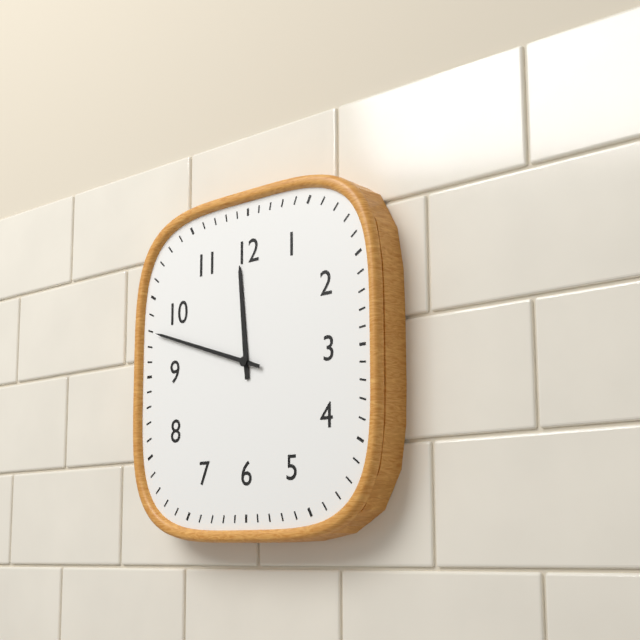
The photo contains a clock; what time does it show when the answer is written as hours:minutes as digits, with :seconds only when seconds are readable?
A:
11:48
